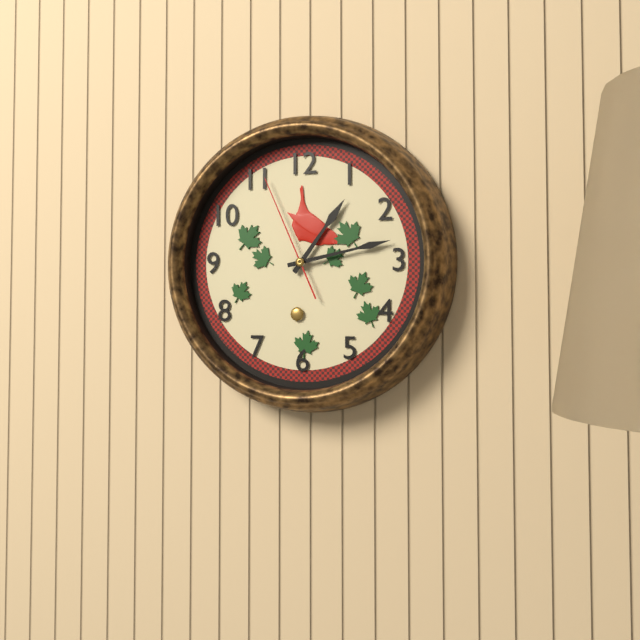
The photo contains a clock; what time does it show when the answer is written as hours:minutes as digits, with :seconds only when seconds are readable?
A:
1:13:56
